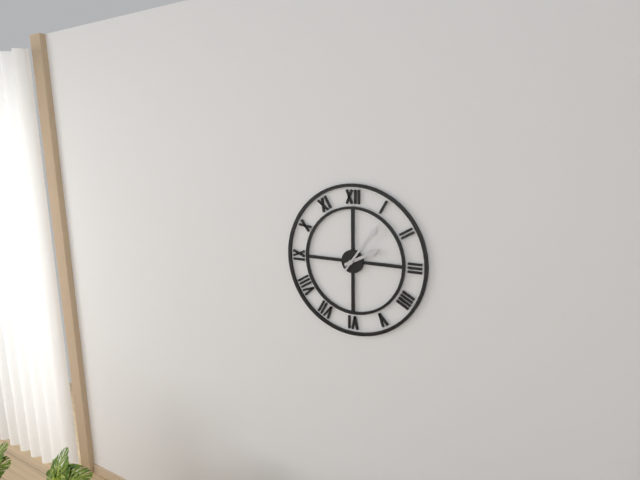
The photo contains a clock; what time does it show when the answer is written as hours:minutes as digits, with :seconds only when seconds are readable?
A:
2:06
